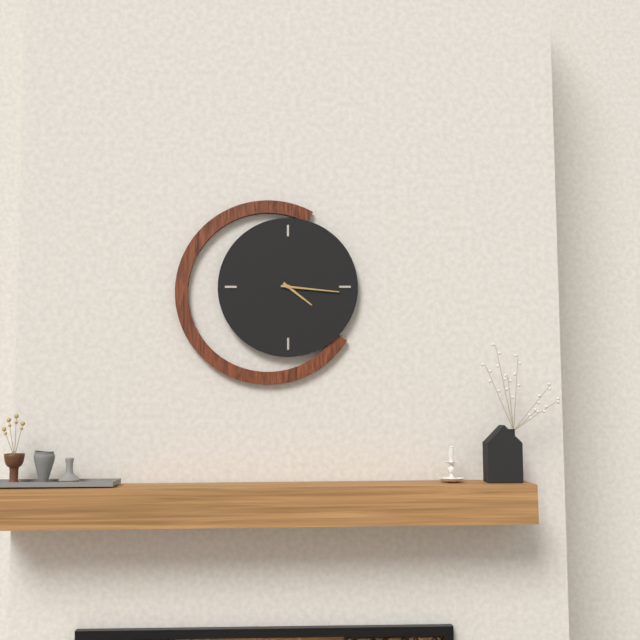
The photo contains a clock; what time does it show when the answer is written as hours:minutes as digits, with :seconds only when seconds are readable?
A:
4:16
